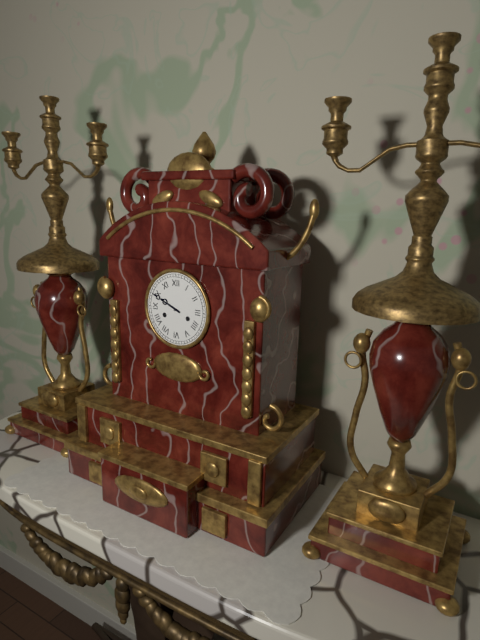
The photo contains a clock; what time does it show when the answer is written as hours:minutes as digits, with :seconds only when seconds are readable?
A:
9:49
